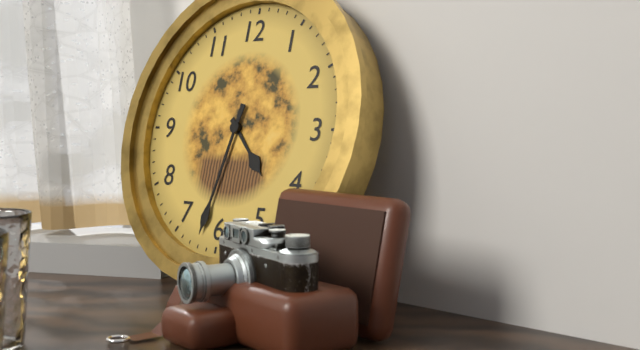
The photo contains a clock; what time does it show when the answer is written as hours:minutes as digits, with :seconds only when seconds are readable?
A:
4:32
